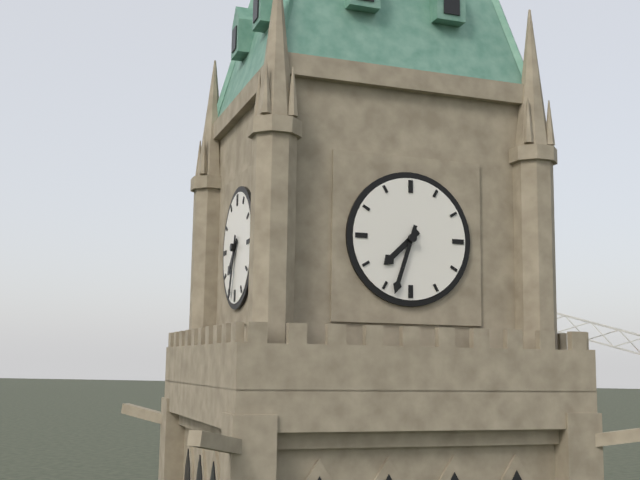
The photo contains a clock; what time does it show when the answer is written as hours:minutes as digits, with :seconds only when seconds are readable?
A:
7:33
